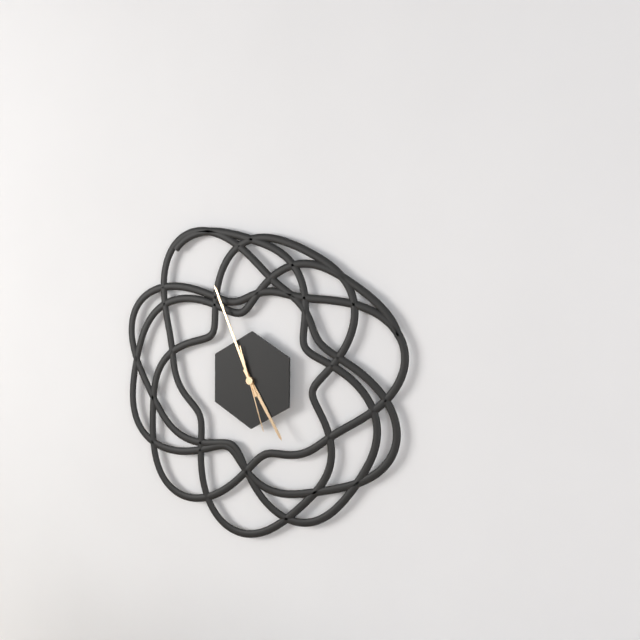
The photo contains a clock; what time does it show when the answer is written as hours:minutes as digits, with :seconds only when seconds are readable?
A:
4:56:27
